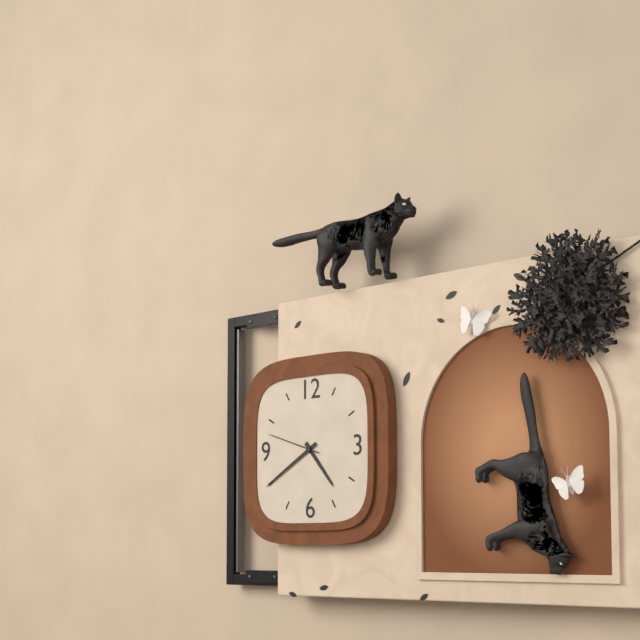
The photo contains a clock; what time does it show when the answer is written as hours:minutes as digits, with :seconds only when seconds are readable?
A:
4:40:48
